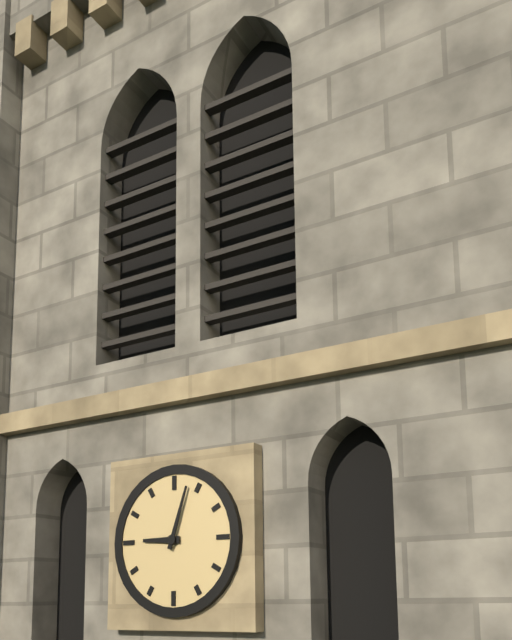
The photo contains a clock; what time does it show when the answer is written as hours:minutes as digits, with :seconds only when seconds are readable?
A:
9:03
